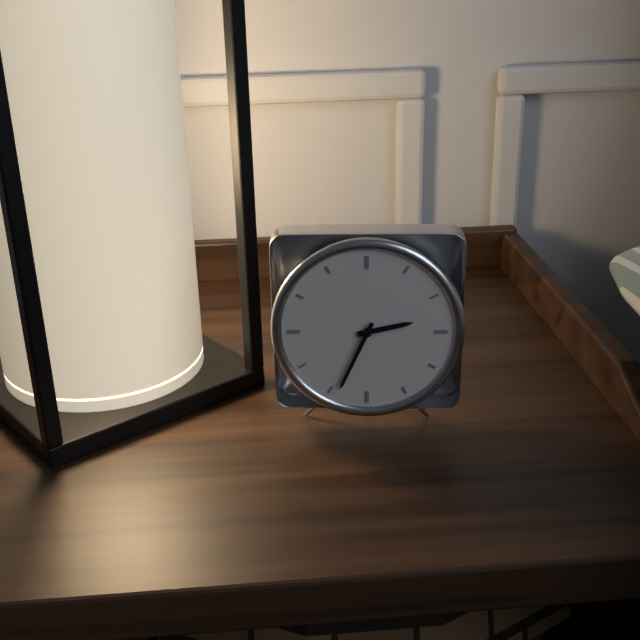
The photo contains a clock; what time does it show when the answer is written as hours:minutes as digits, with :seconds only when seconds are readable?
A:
2:34
